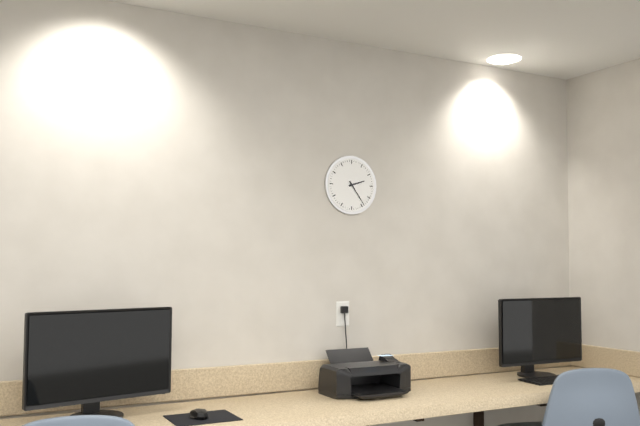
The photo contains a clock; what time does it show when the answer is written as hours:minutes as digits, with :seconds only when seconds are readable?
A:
2:24
